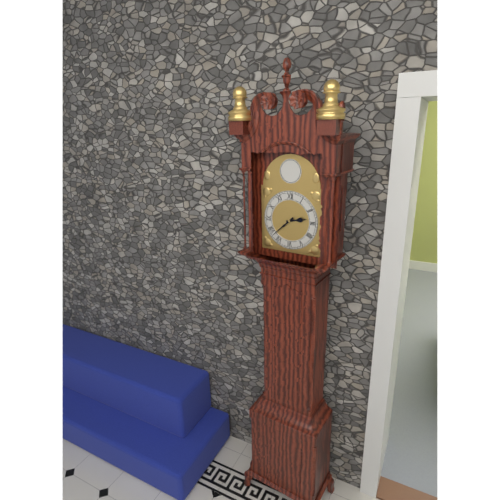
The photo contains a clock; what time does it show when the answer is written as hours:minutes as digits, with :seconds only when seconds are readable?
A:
2:38
